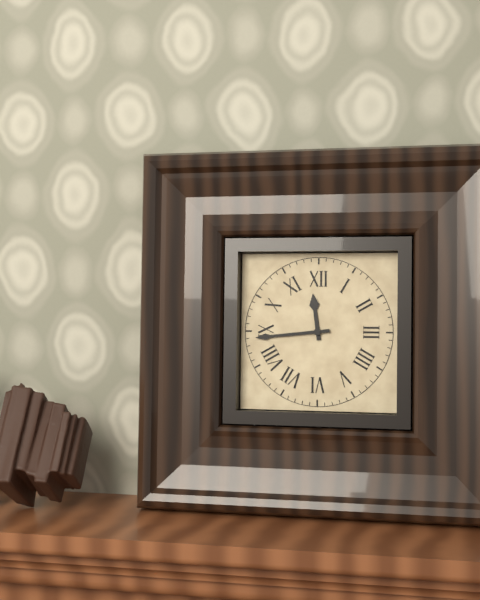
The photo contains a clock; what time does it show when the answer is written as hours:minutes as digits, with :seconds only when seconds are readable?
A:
11:44
